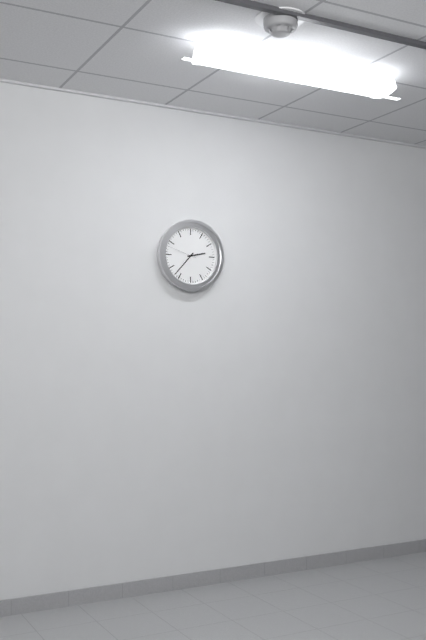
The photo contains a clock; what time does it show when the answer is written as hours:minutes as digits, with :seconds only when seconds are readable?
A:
2:37
